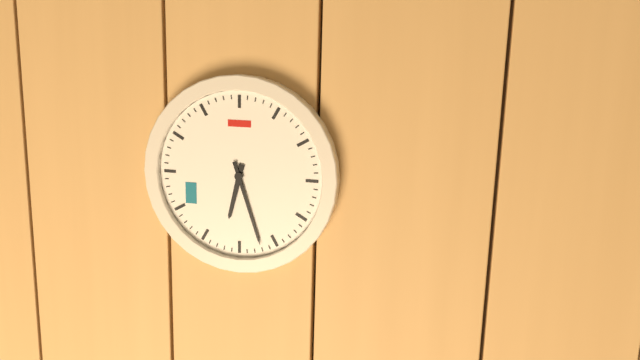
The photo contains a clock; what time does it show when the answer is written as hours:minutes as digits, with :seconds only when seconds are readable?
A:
6:27
